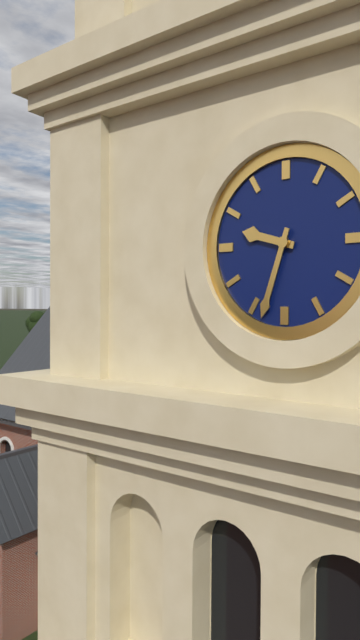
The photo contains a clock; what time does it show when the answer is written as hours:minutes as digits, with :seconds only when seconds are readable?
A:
9:33
